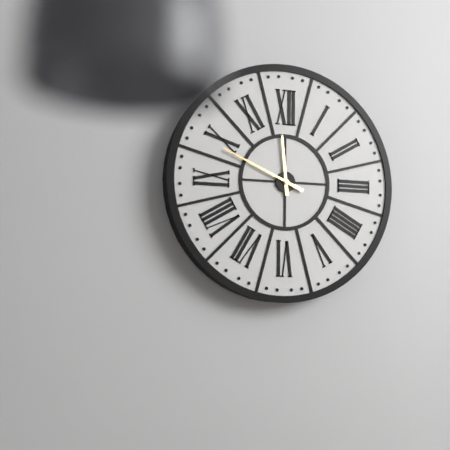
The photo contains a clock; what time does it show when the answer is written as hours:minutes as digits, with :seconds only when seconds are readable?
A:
11:49
